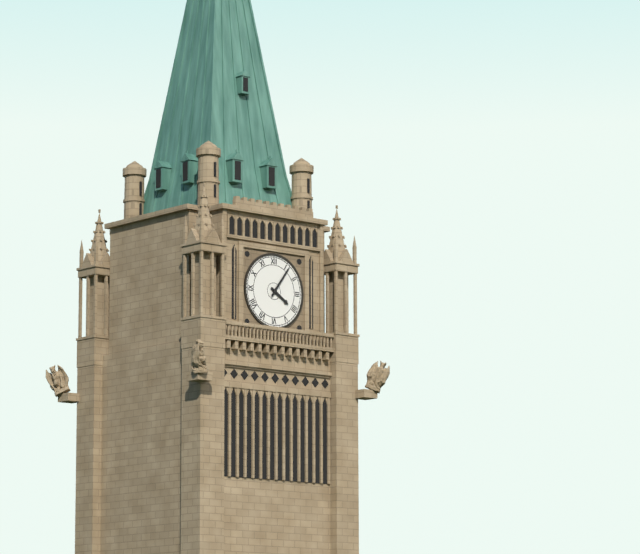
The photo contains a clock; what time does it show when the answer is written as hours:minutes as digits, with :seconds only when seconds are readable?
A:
4:06
